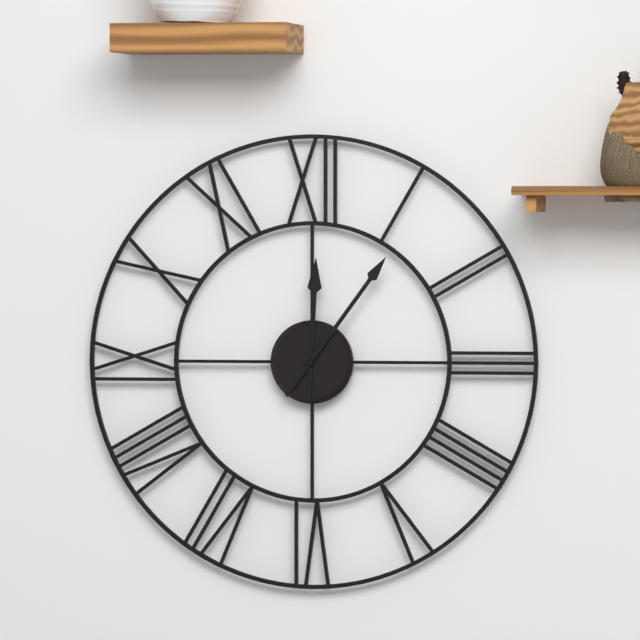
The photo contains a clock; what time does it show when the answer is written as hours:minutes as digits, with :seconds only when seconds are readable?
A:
12:06
